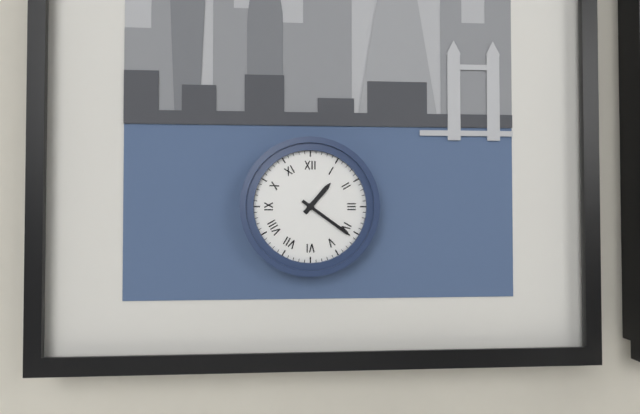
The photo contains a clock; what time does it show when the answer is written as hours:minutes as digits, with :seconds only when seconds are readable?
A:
1:21
